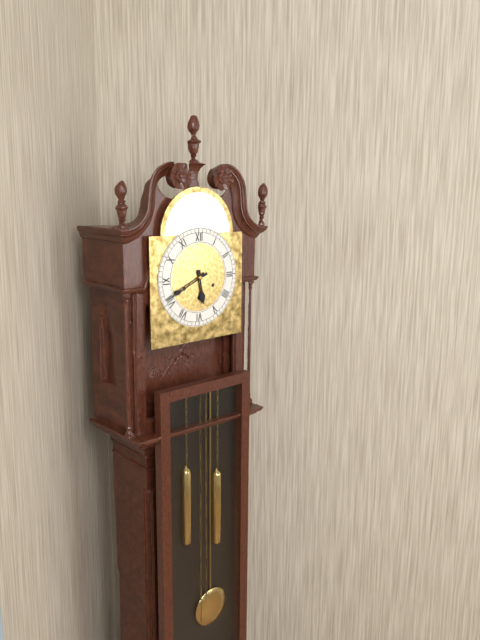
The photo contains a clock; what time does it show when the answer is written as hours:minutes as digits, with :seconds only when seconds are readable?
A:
5:41
